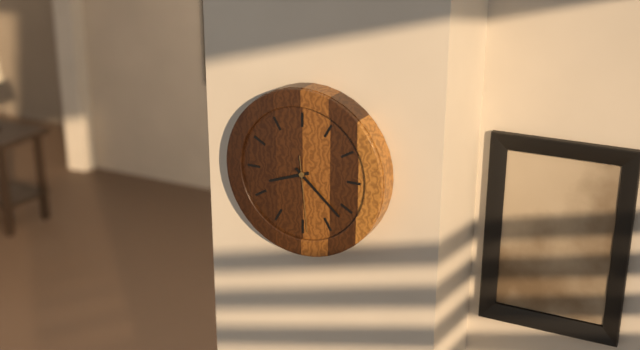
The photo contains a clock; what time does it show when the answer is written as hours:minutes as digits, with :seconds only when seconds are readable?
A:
8:22:29
